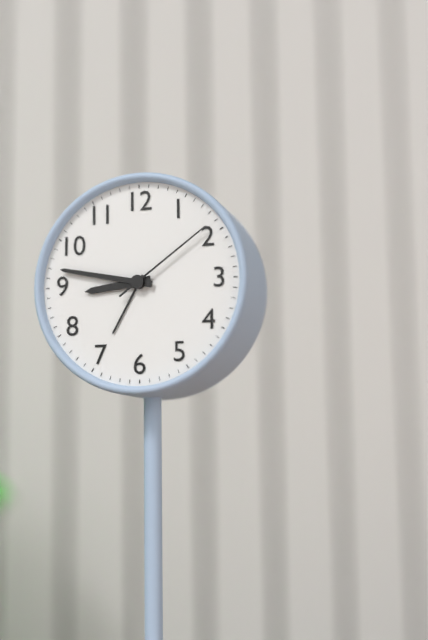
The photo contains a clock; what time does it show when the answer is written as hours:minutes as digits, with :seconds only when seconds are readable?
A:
8:47:09
